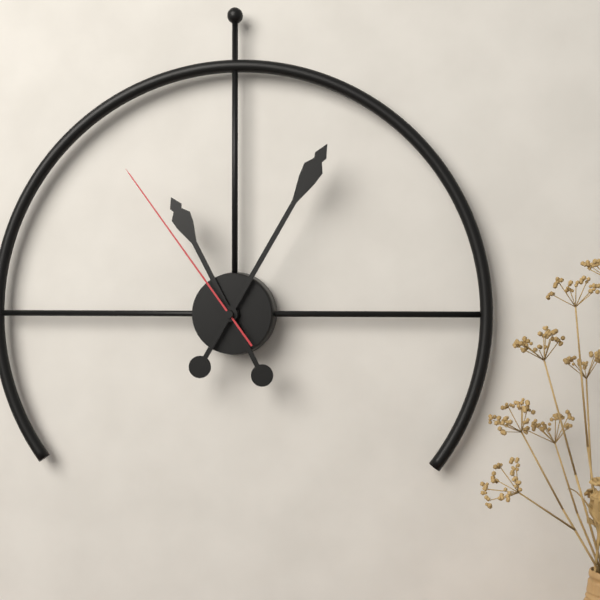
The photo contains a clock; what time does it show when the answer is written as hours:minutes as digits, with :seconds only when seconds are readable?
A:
11:05:54
